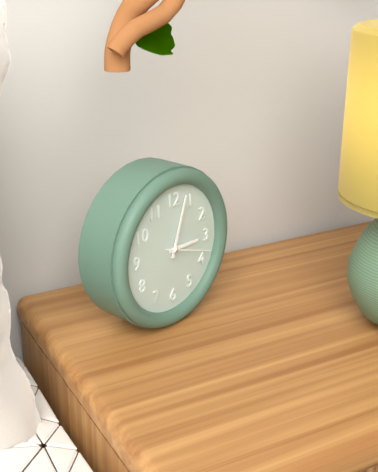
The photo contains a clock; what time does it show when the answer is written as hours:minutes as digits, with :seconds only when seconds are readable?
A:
3:03
